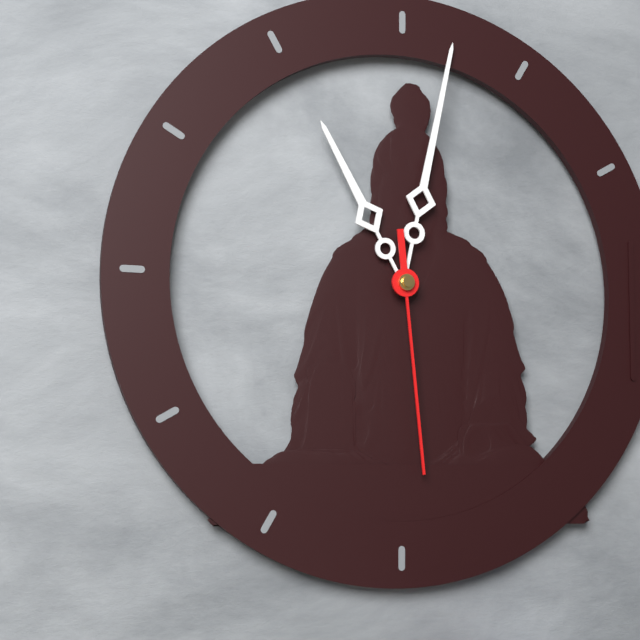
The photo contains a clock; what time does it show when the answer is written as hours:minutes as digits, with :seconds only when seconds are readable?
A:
11:02:29
